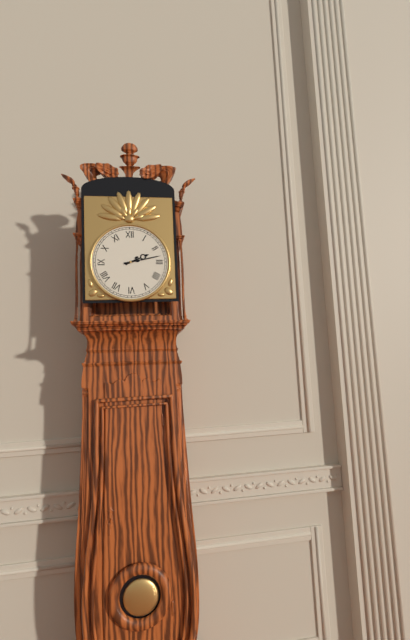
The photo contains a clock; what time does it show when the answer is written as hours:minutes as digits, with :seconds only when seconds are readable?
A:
2:13
